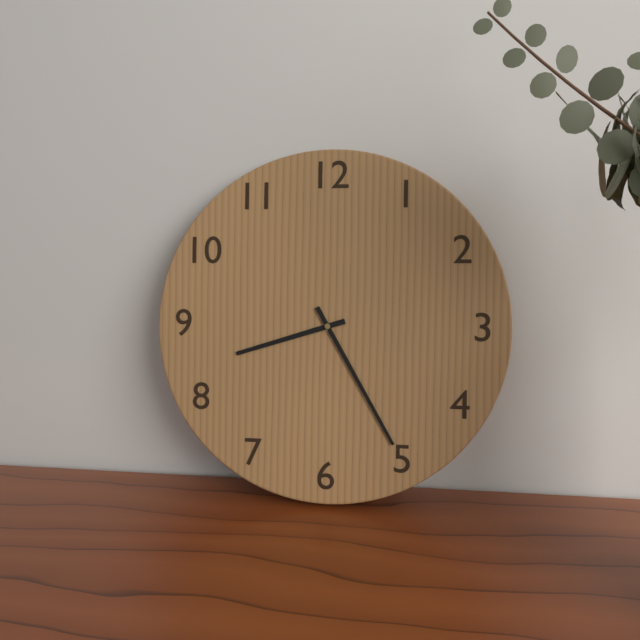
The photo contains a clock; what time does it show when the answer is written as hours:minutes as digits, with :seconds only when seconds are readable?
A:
8:25
